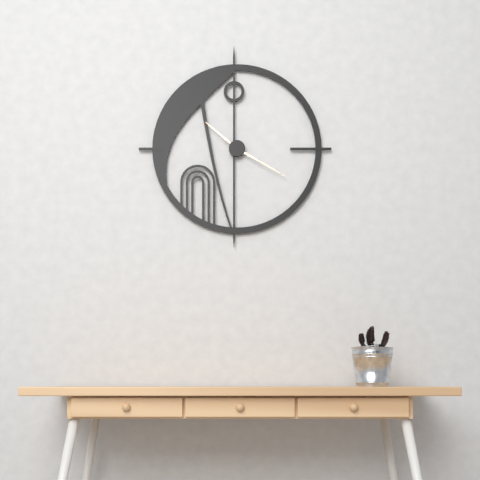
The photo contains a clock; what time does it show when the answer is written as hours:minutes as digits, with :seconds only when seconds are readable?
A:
10:20
